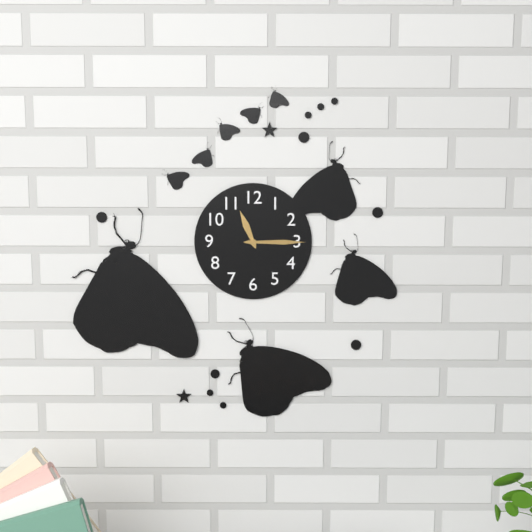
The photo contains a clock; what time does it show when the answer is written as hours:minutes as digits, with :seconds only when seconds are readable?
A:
11:15
